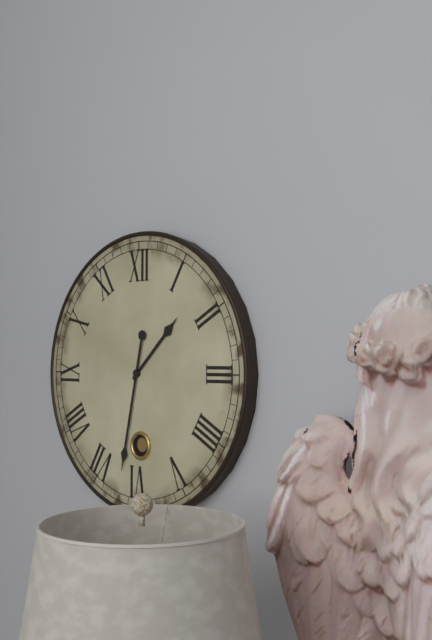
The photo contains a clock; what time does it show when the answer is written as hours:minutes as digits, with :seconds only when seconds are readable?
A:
1:32
